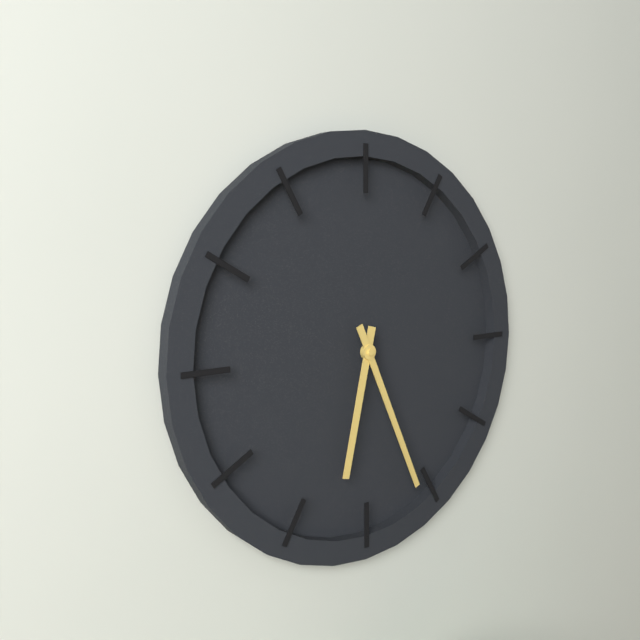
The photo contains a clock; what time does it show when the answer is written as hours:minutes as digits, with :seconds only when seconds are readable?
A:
6:26
